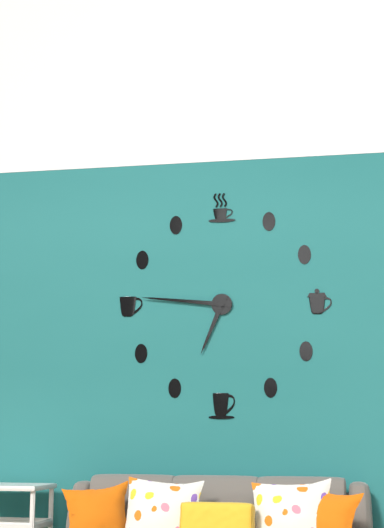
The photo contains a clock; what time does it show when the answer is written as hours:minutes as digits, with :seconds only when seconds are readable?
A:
6:46
